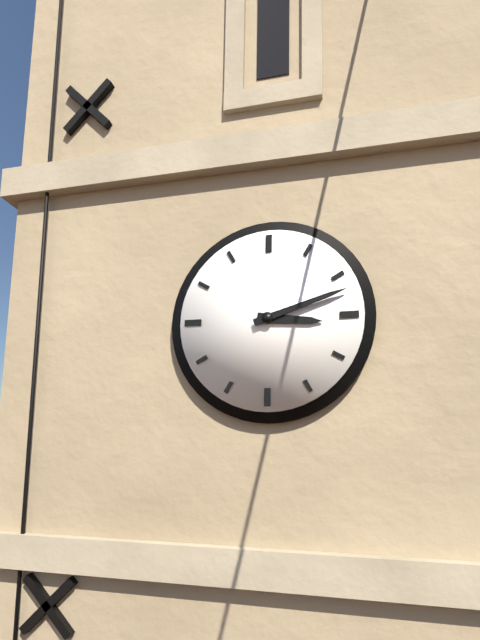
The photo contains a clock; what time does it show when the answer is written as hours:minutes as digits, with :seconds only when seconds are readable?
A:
3:12
